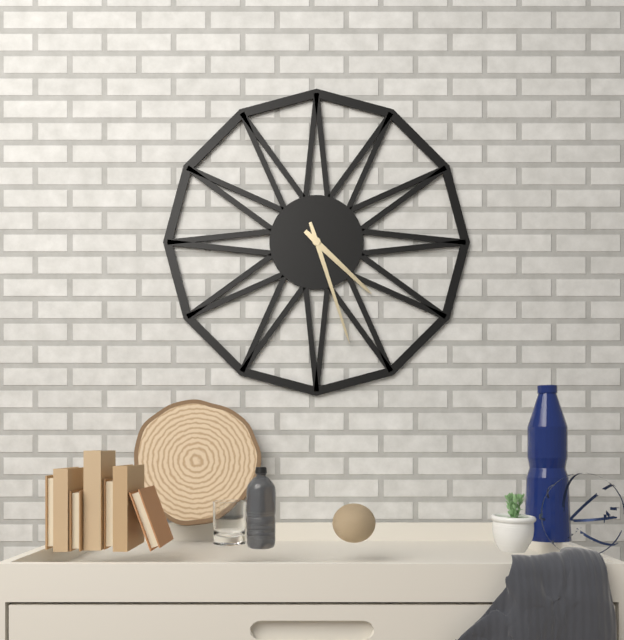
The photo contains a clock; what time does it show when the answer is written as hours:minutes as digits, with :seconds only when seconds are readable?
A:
4:27
